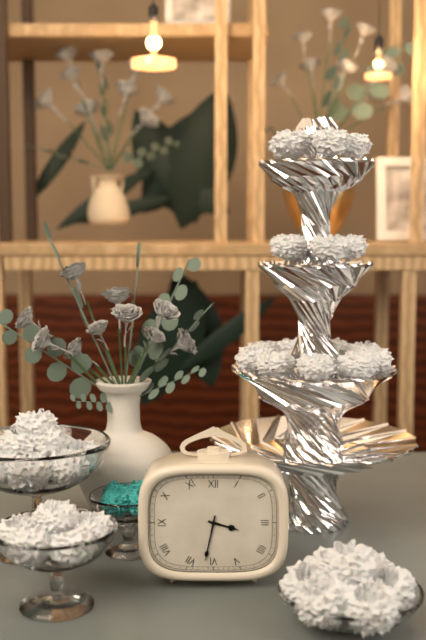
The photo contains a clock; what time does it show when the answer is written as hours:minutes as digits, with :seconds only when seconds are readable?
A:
3:32
